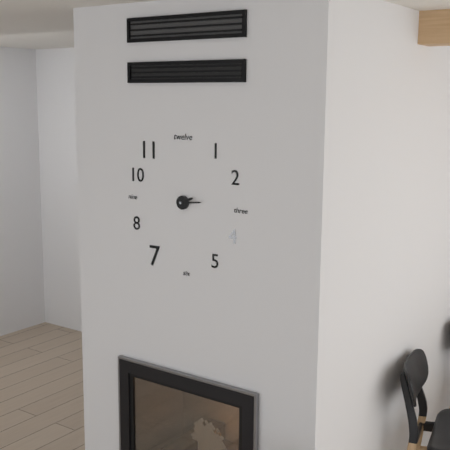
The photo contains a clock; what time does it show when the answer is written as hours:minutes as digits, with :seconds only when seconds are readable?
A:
2:14
